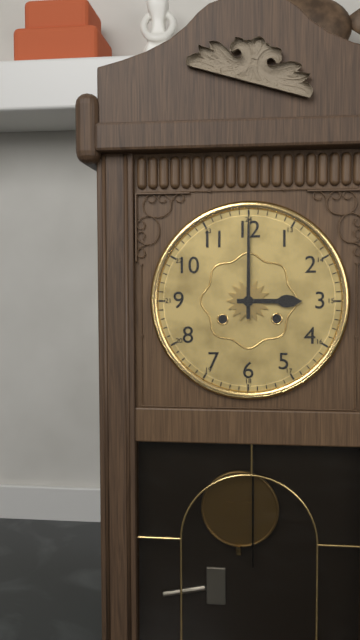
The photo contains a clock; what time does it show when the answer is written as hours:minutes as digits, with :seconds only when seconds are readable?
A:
3:00
